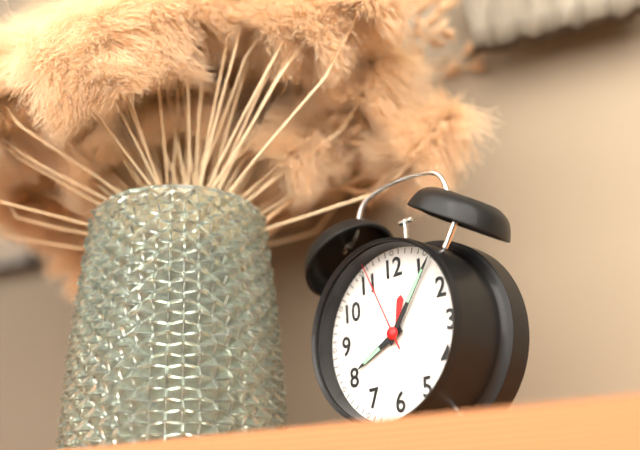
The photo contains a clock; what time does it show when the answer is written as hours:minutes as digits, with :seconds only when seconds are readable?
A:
8:06:56
